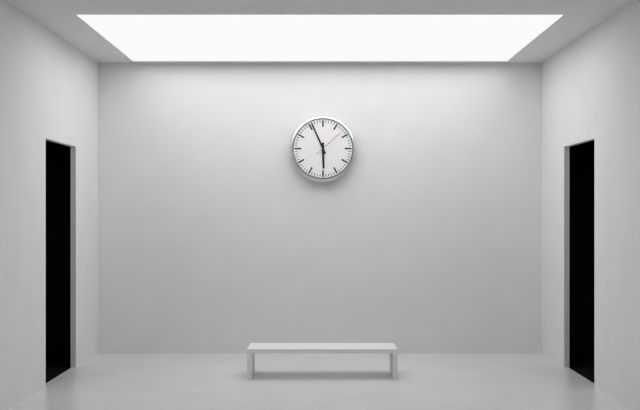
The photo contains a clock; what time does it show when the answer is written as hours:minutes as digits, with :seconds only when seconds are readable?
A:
5:56
